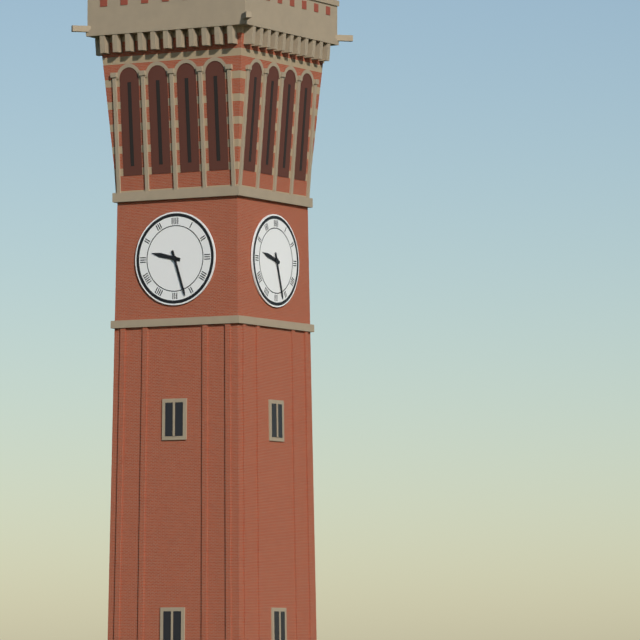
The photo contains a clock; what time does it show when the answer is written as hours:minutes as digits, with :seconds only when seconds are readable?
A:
9:27
